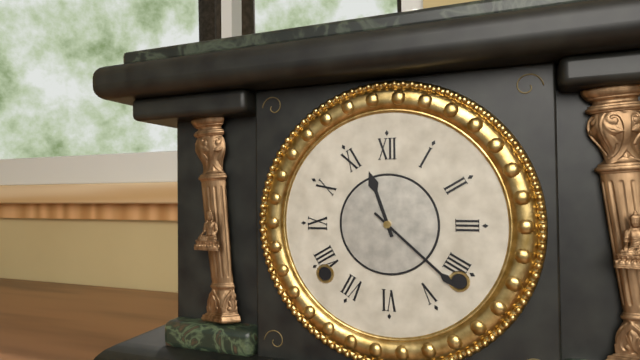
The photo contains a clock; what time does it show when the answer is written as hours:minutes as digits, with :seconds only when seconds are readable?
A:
11:22
